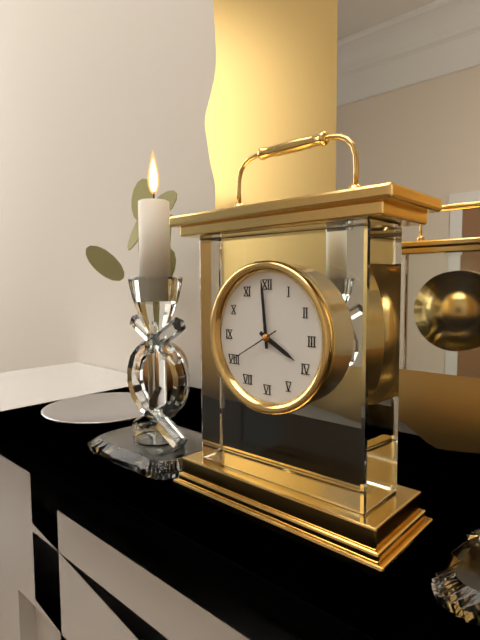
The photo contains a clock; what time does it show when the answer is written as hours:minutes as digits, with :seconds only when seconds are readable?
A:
3:59
